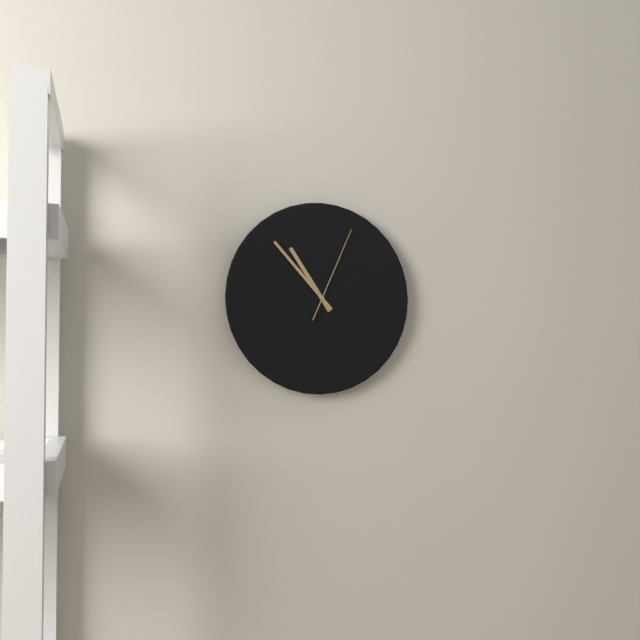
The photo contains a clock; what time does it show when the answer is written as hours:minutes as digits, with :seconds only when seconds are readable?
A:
10:53:04
